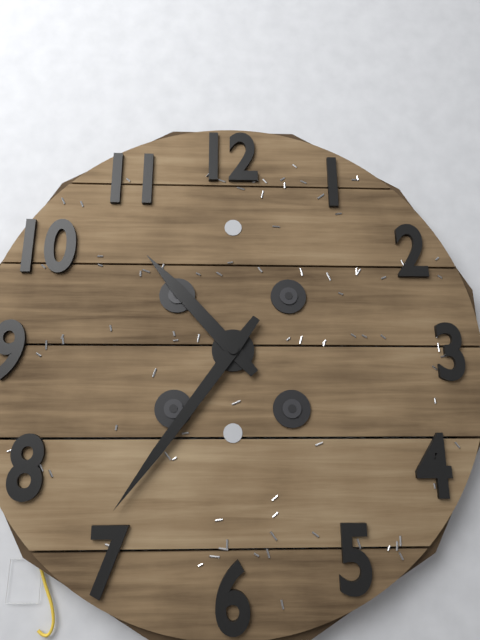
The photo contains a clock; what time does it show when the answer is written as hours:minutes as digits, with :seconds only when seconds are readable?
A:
10:36
